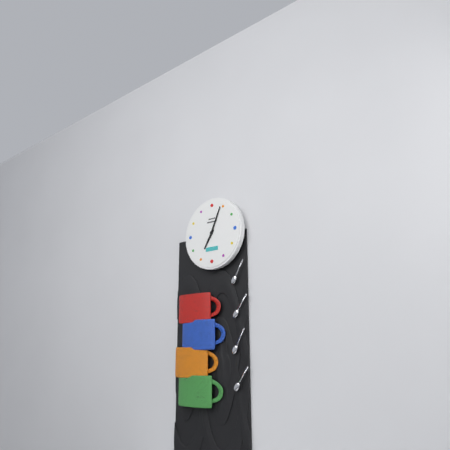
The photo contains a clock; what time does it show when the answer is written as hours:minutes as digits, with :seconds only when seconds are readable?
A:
7:04
